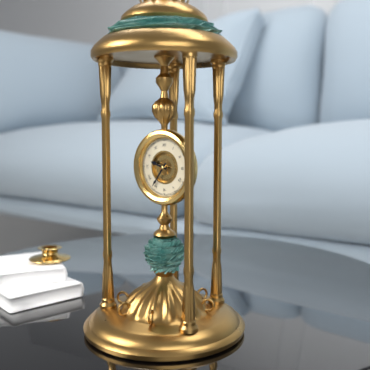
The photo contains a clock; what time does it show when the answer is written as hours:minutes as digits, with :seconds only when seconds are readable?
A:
9:36
